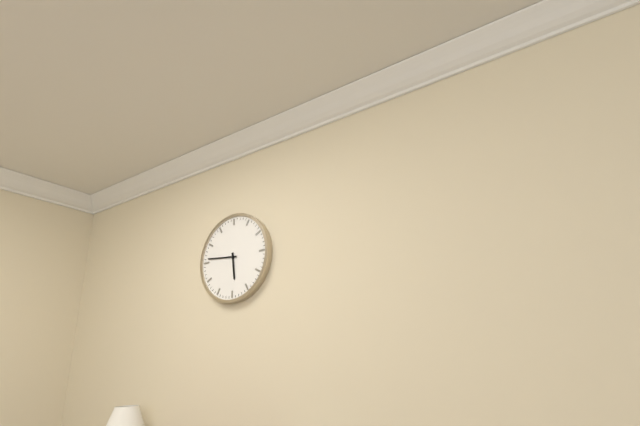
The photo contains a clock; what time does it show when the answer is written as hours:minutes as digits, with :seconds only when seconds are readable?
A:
5:46
